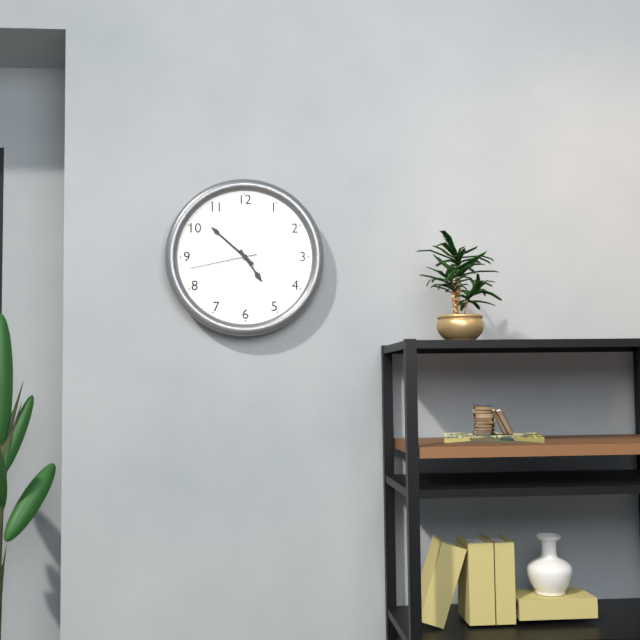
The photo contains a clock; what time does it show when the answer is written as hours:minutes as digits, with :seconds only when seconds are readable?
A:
4:52:43
